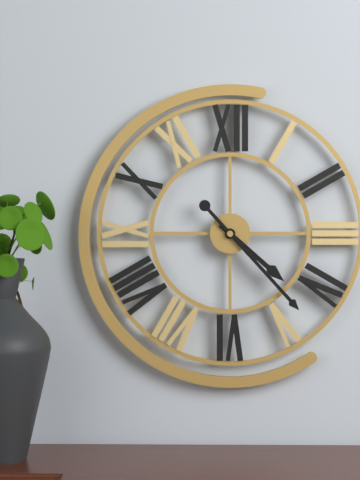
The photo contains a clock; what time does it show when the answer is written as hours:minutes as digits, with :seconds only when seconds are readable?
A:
4:23
